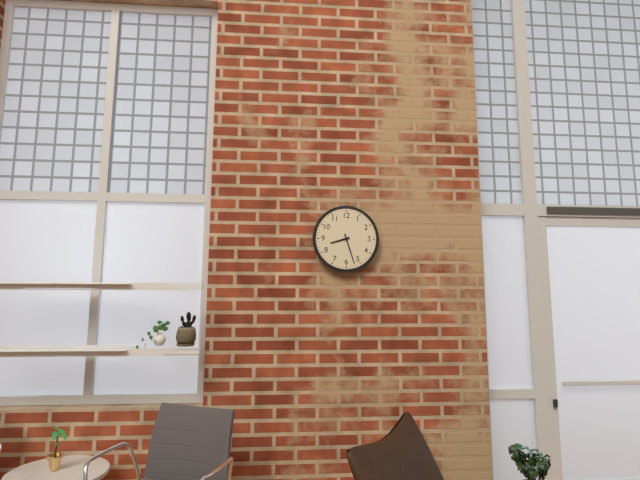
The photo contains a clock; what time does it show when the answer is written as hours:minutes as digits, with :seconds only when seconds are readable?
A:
8:27
